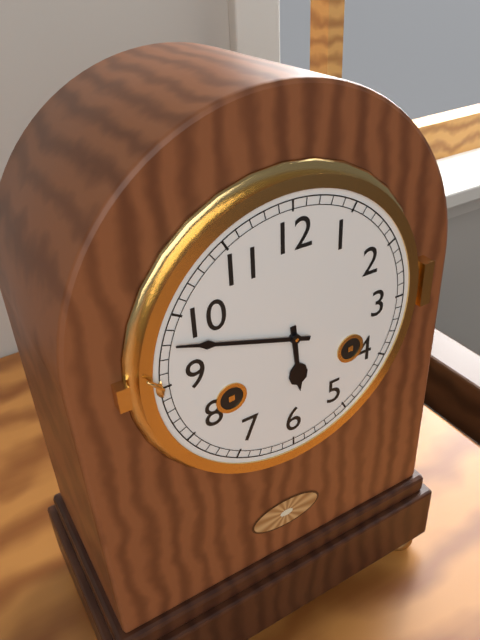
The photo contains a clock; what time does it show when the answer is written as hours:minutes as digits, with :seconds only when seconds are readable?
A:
5:48
